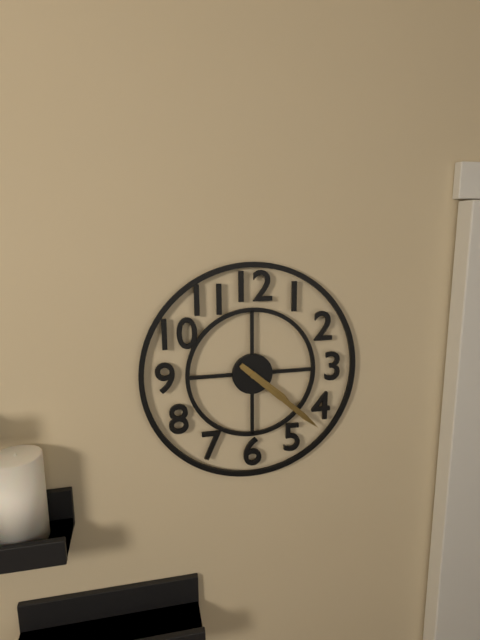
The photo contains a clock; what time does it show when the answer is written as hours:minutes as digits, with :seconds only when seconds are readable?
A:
4:22
